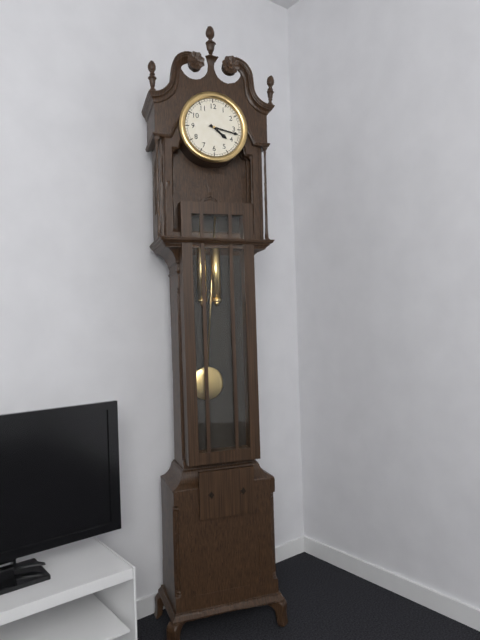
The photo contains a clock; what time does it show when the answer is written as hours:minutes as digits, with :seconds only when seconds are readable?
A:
4:17
